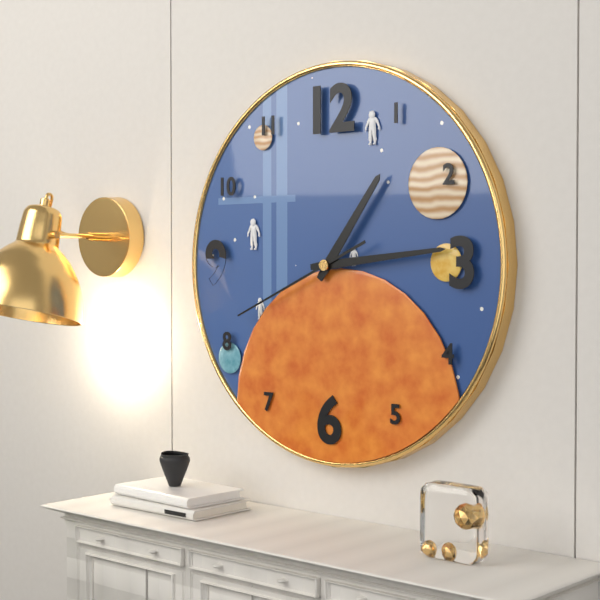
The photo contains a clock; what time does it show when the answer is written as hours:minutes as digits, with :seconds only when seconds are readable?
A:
1:14:41
